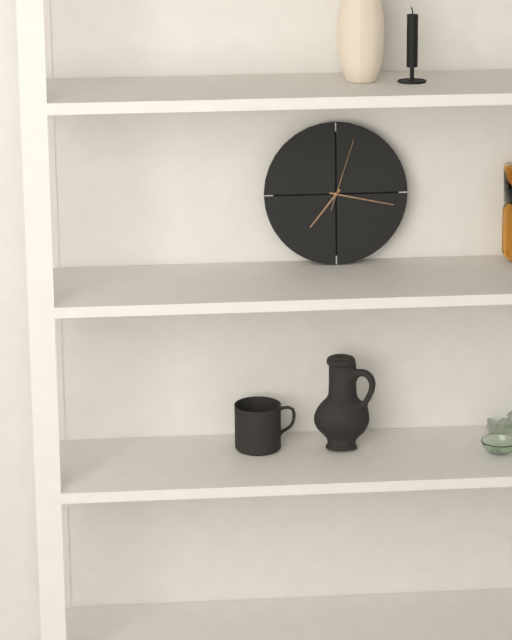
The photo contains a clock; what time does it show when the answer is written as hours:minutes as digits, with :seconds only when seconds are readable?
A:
7:17:03
